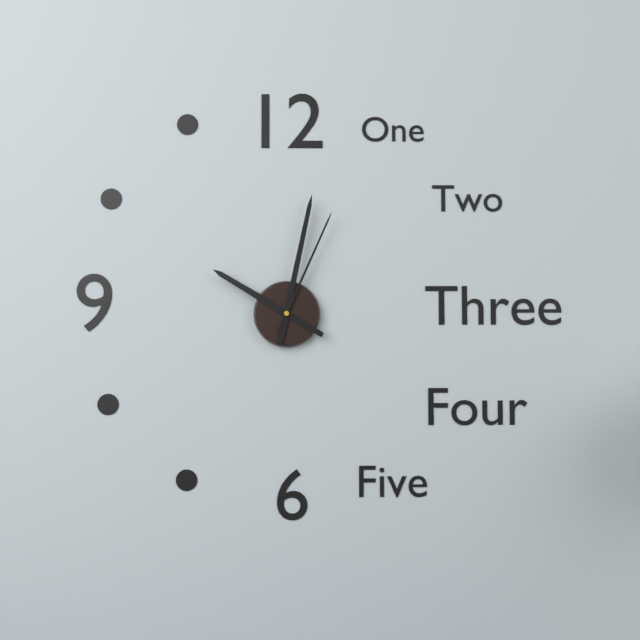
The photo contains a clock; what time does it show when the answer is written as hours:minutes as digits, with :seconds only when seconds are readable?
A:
10:02:04
